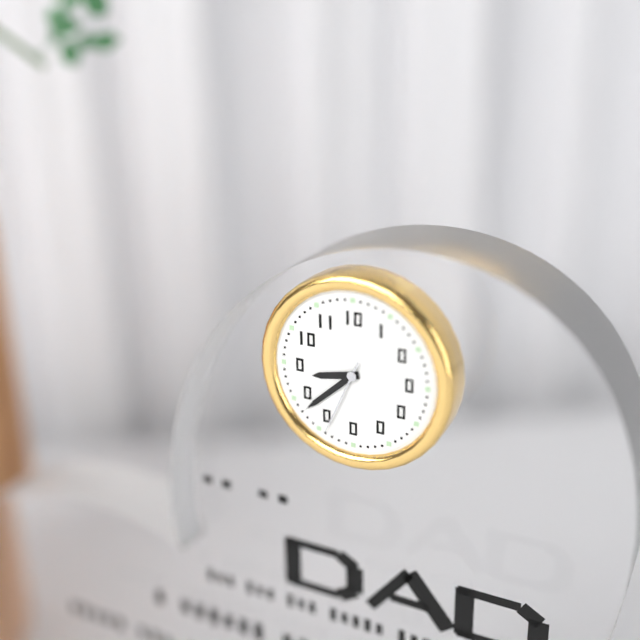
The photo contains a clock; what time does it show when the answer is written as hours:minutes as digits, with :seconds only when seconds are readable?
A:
8:38:34
